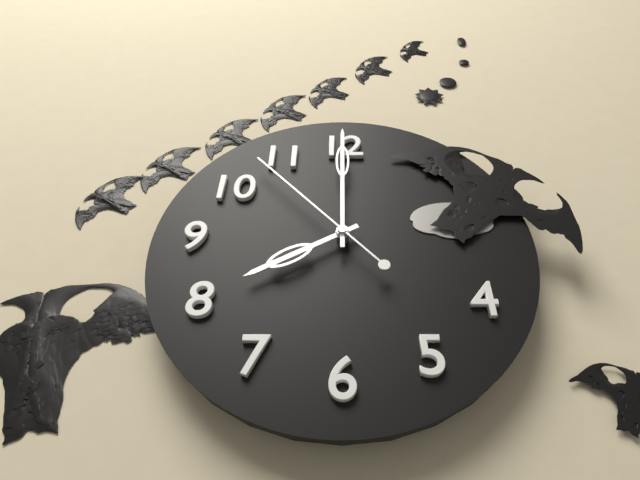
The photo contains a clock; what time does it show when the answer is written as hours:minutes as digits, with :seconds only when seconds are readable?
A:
8:00:53
